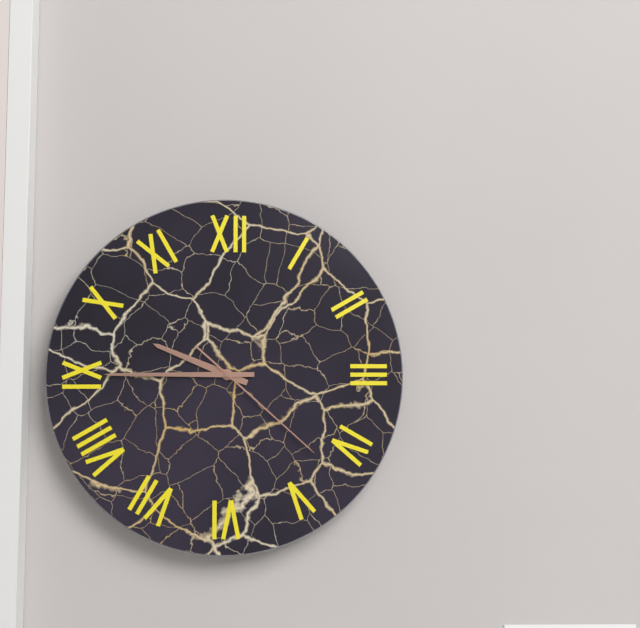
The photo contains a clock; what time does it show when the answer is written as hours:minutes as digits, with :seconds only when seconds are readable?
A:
9:45:22
